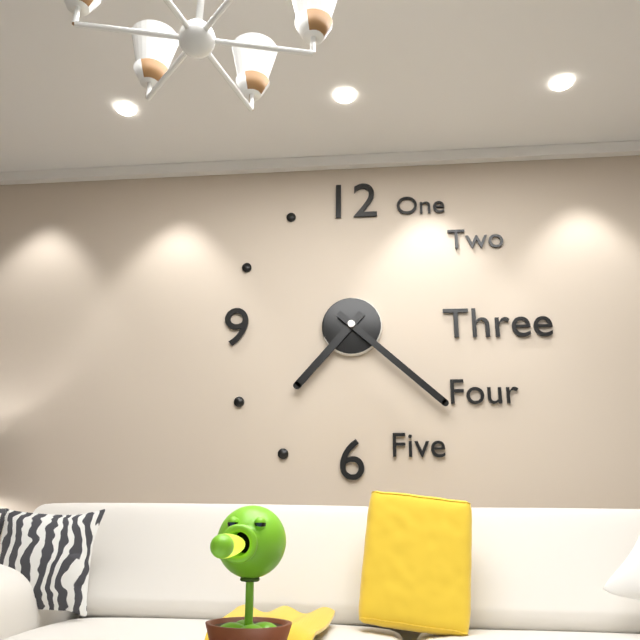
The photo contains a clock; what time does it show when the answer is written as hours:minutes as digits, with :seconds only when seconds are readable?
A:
7:22
